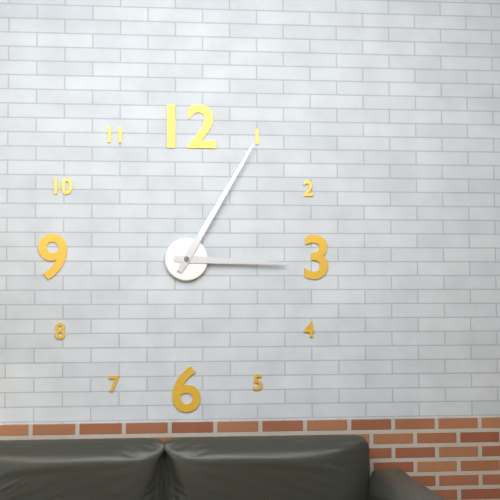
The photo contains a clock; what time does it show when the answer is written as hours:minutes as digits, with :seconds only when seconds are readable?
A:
3:05
